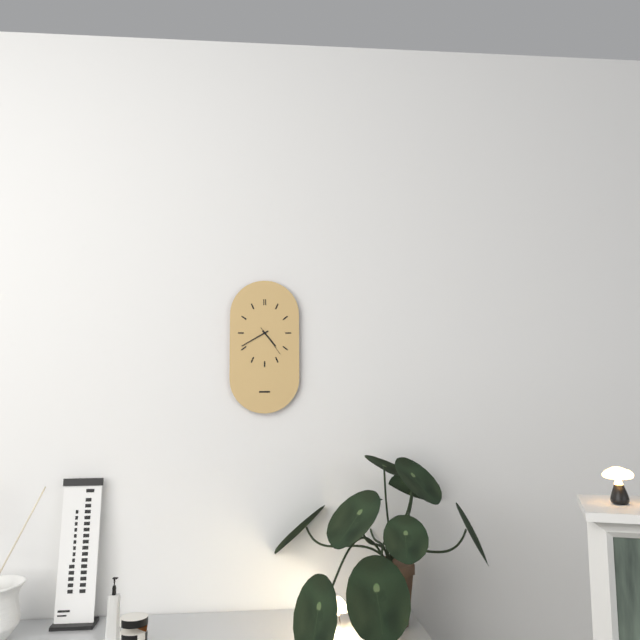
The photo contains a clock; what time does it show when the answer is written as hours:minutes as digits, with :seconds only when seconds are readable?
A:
4:40
